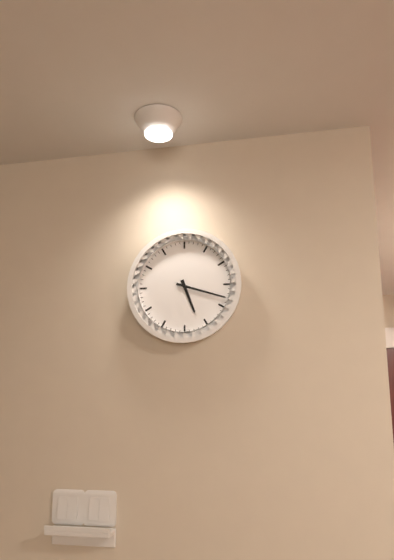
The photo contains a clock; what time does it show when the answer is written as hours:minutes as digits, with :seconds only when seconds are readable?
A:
5:18
